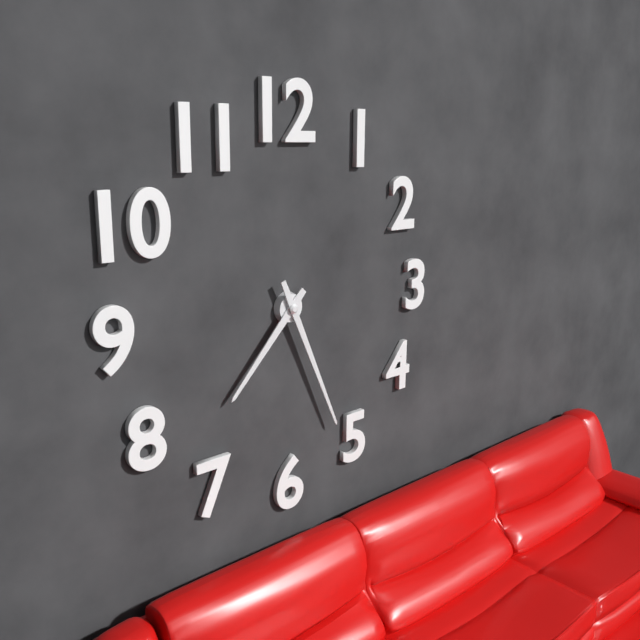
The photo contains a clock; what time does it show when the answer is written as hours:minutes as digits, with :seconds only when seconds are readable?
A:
7:26
